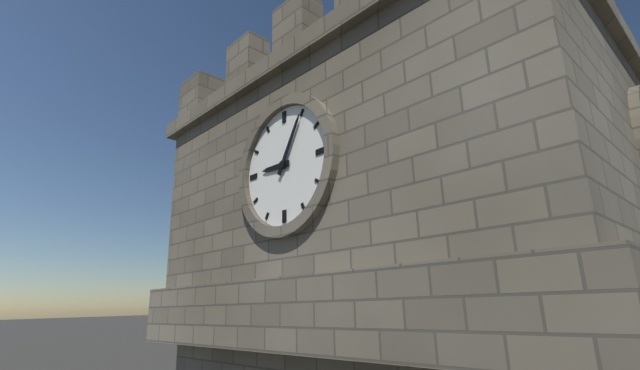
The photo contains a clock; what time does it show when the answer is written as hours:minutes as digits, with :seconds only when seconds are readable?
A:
9:05
